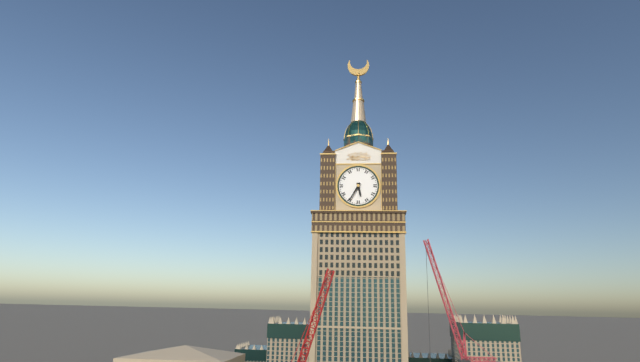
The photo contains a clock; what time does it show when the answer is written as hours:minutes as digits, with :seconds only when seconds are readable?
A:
5:35
